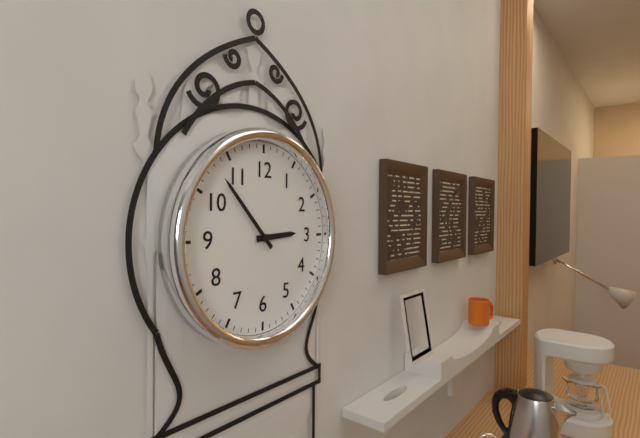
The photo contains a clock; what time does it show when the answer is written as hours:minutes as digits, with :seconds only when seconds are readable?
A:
2:53
